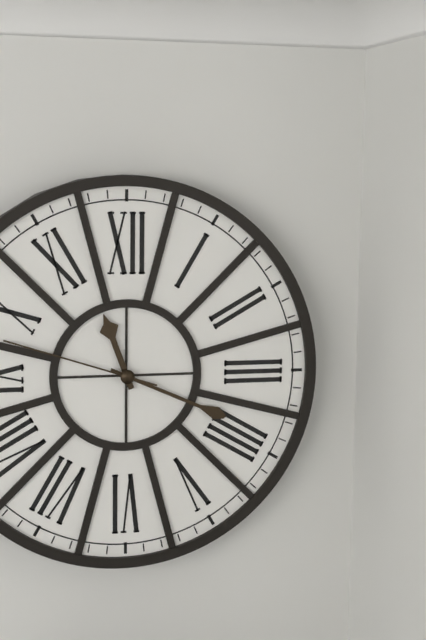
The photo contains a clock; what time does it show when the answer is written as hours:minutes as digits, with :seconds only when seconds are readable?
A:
11:19:48
